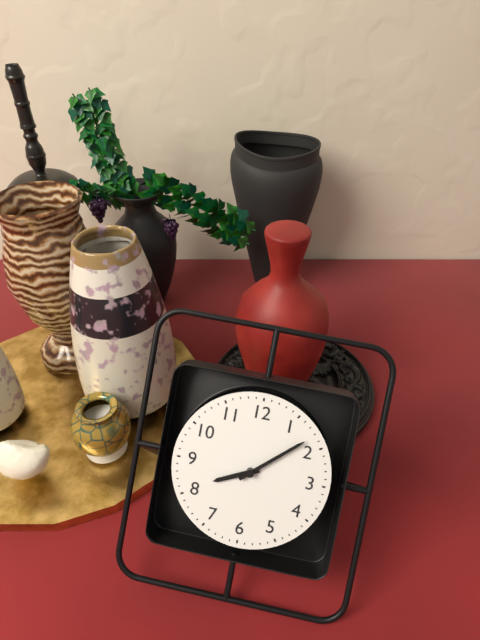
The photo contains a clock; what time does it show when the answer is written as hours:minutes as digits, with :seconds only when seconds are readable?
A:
8:08
